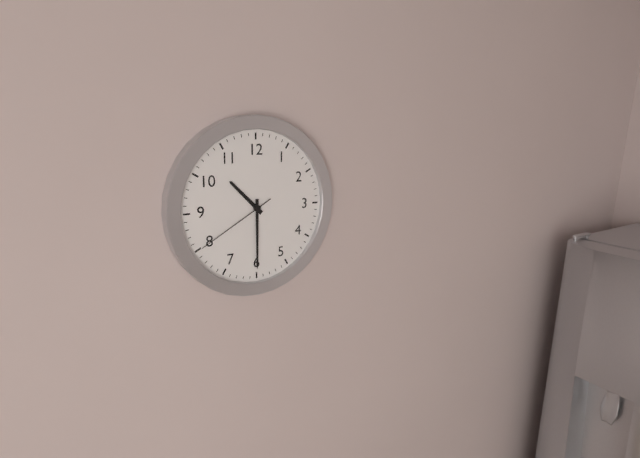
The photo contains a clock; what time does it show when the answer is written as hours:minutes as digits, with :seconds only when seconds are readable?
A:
10:30:40
